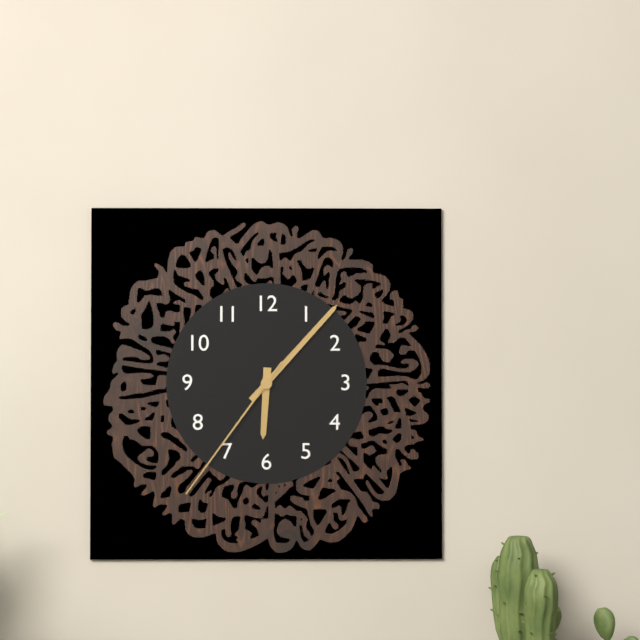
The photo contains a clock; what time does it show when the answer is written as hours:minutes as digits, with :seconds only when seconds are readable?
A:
6:07:36
